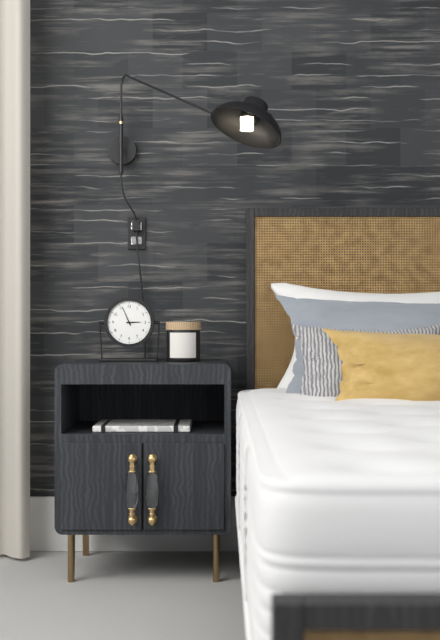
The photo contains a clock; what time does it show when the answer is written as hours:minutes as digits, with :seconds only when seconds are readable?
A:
2:56
